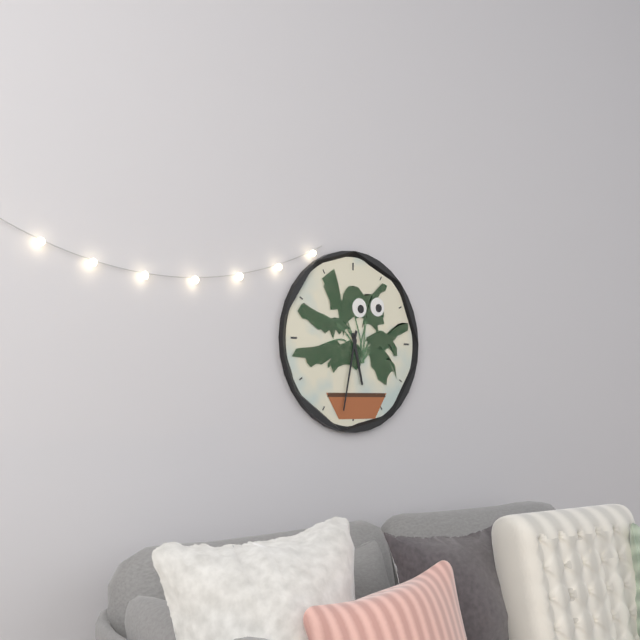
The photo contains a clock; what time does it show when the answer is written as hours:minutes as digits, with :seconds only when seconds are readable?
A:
5:32
